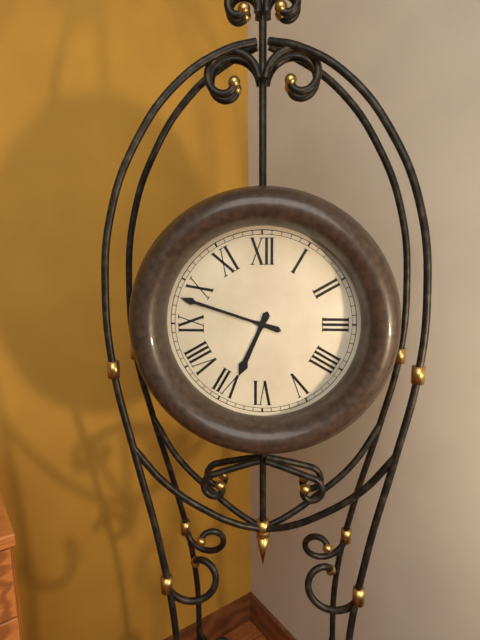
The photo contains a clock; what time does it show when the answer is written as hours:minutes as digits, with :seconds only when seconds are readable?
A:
6:48
